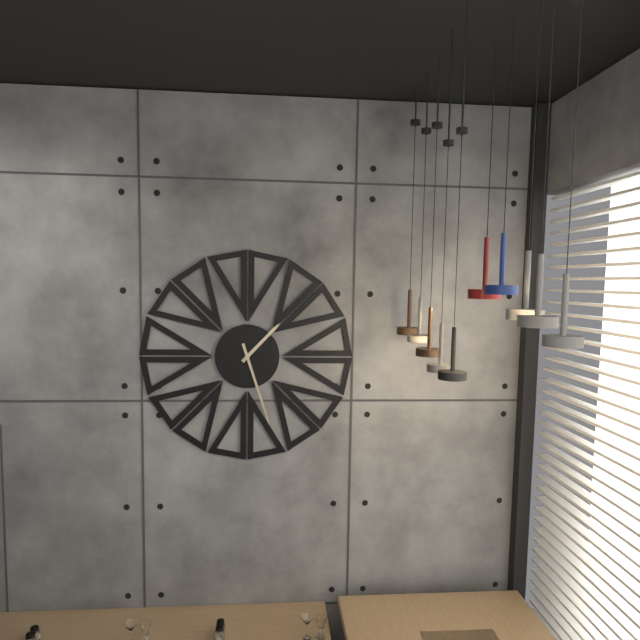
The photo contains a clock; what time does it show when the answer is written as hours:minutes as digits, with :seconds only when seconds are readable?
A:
1:27
